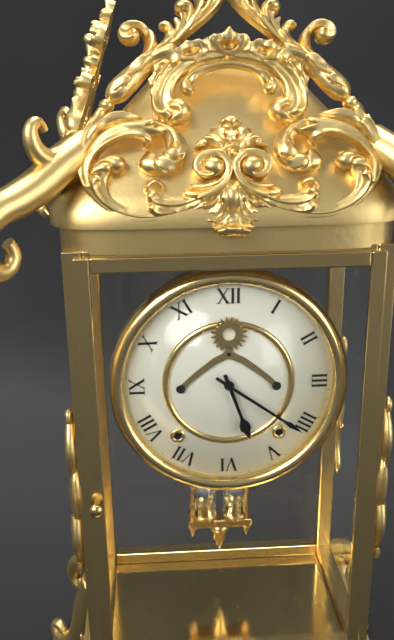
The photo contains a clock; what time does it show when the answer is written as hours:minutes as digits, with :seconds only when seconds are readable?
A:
5:21
